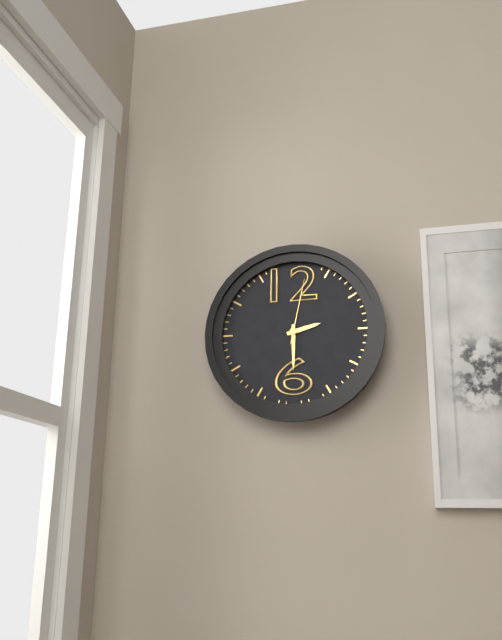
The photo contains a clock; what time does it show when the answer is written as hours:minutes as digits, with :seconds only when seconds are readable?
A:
2:30:02
